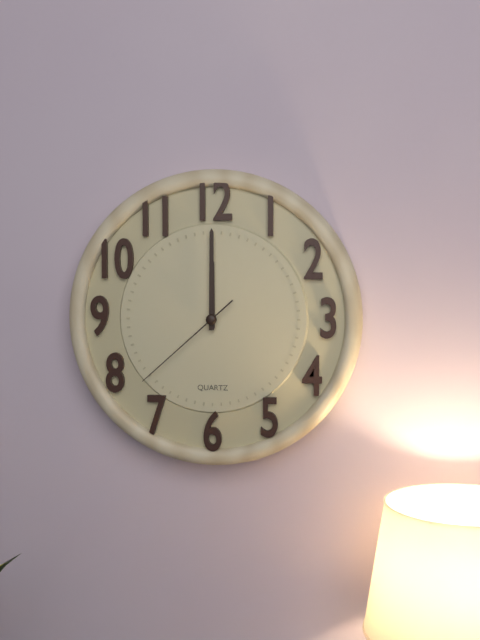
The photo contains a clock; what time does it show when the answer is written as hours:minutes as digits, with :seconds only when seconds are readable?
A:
12:00:38
